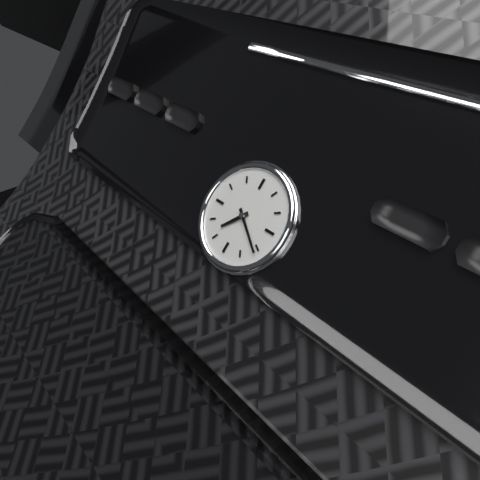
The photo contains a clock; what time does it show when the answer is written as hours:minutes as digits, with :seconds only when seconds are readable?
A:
7:21
